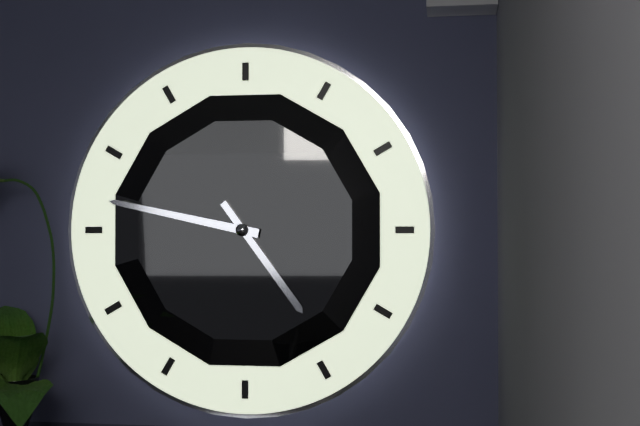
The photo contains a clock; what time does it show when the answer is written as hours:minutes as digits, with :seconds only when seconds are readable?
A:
4:47
